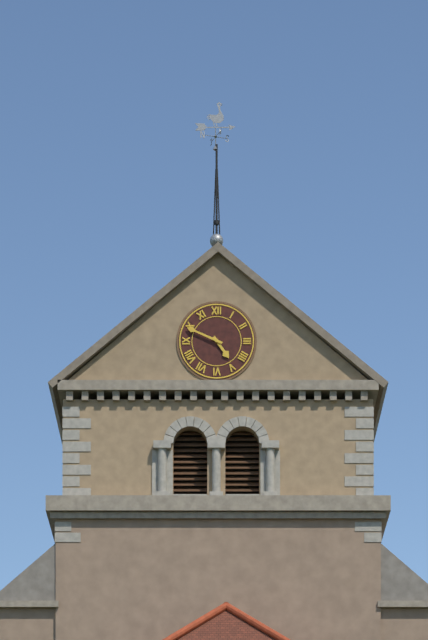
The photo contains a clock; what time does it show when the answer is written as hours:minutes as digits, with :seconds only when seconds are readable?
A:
4:49
